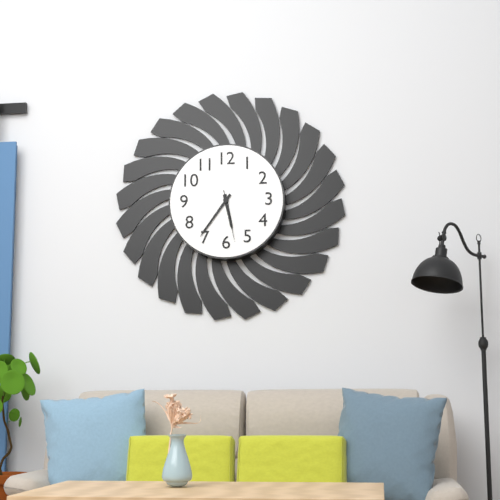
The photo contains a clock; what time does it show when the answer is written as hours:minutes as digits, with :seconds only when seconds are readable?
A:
5:36
